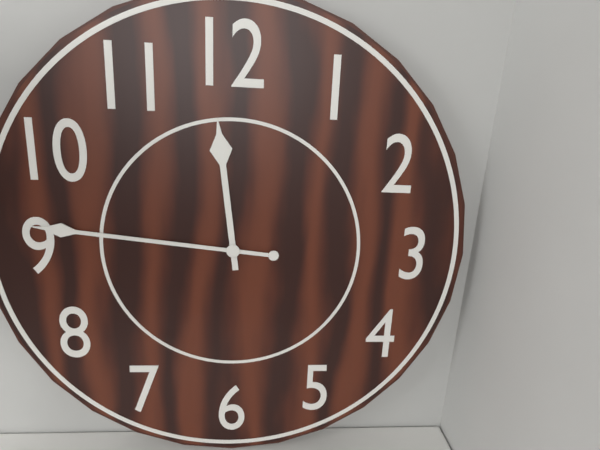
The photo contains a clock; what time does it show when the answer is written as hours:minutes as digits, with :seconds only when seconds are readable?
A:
11:46
